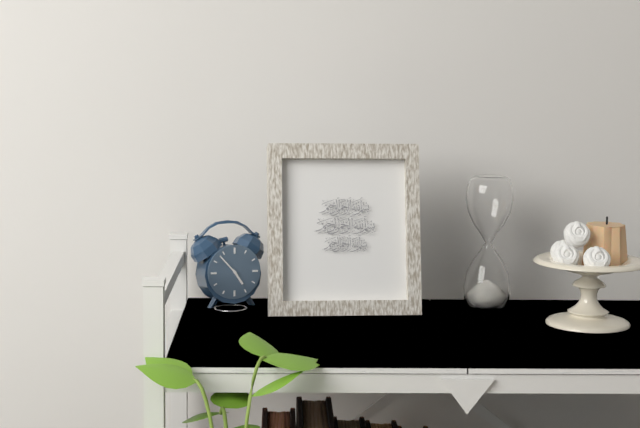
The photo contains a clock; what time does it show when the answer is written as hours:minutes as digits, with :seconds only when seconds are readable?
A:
4:53
